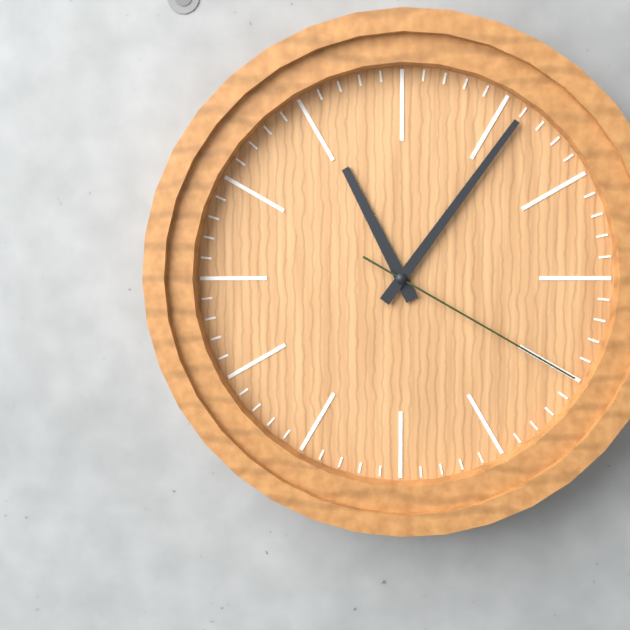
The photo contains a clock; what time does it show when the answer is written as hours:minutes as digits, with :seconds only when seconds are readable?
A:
11:06:20
